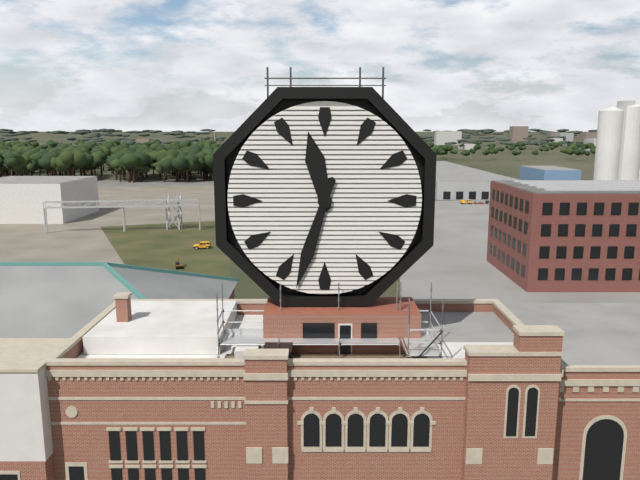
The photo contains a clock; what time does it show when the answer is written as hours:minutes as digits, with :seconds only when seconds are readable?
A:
11:33
